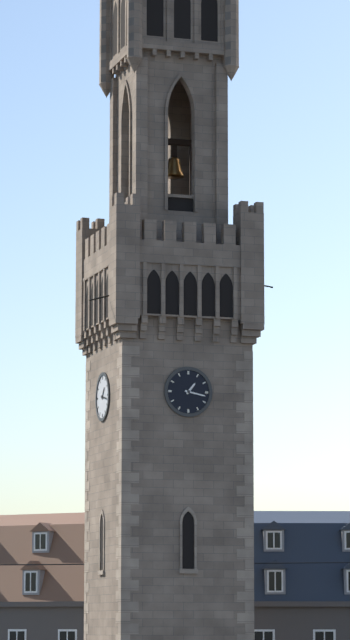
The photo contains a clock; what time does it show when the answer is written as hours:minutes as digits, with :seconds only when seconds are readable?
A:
1:17
